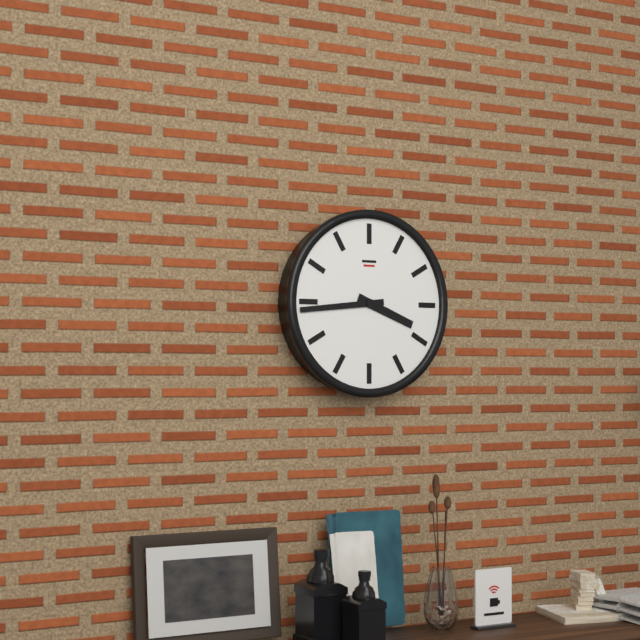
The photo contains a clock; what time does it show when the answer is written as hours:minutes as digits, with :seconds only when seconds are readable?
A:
3:44
